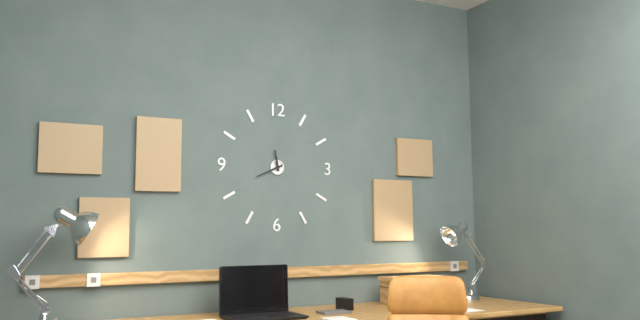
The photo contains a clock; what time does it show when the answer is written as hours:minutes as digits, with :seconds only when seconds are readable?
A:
11:41
